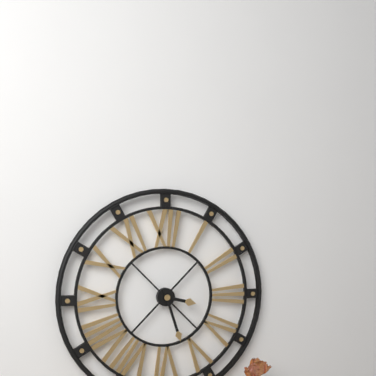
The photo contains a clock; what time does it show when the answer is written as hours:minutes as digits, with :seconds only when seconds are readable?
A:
3:27
